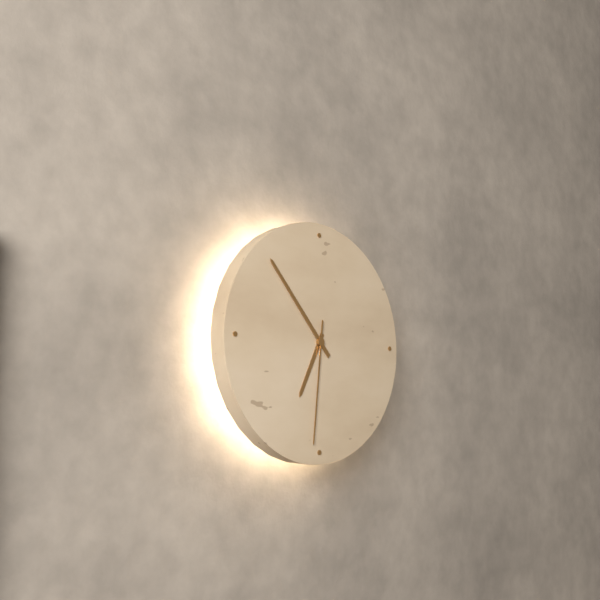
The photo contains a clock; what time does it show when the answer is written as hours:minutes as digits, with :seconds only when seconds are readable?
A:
6:53:31
